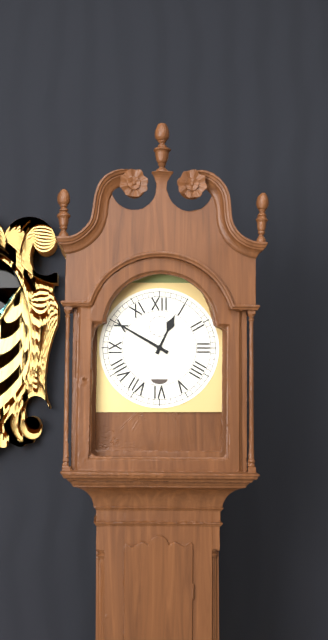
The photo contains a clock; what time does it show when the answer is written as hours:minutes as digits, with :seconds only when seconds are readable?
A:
12:50
